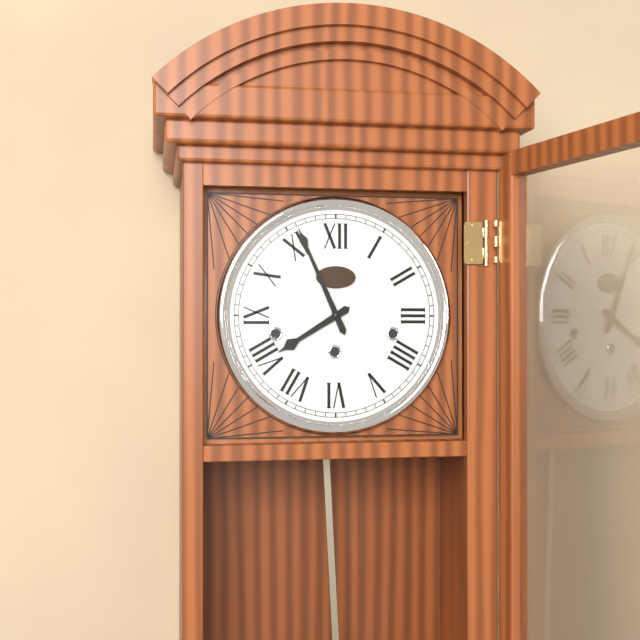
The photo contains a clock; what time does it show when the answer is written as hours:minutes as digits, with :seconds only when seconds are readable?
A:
7:56
